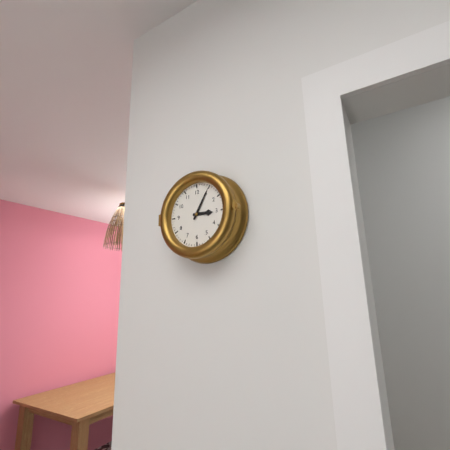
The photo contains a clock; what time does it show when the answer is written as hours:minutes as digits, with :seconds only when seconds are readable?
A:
3:05
